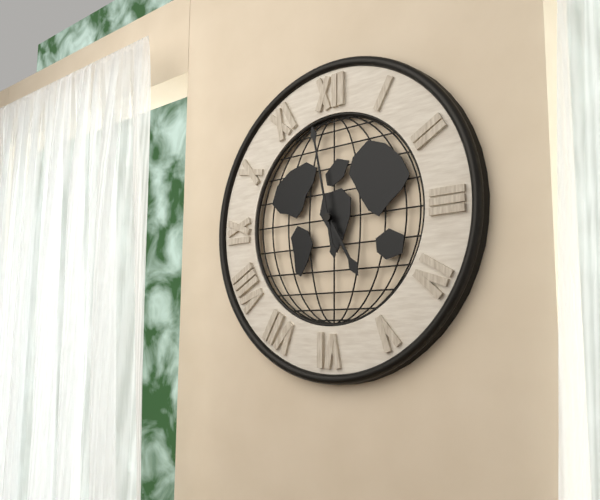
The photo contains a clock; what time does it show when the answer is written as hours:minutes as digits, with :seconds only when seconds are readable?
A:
4:58
